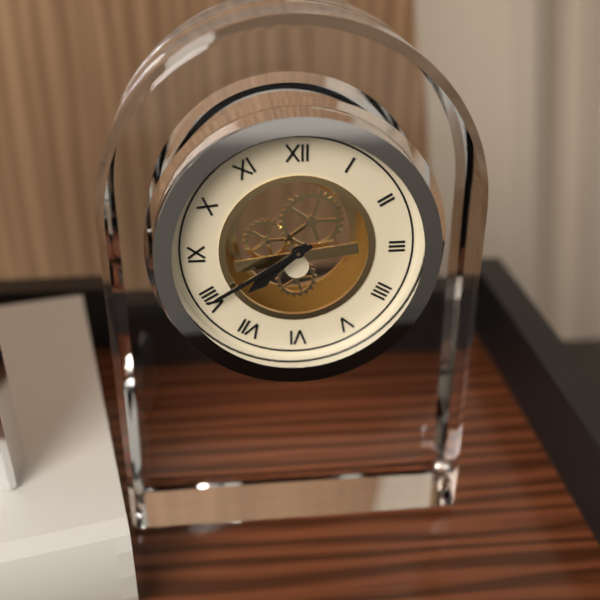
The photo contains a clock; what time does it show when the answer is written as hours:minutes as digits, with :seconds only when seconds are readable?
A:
7:40
